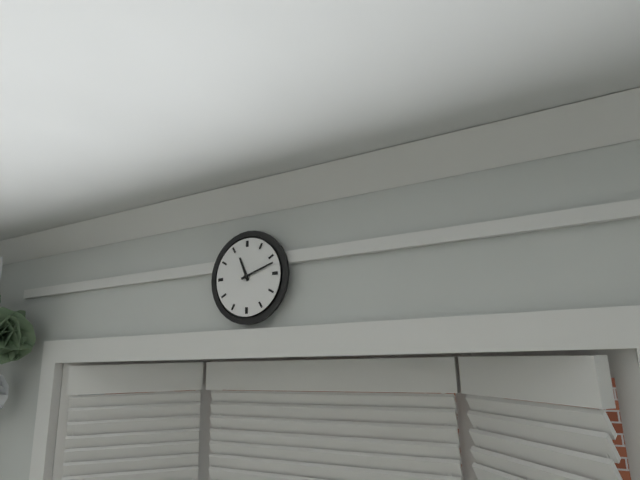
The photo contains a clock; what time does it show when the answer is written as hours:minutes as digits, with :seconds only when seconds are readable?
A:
11:12
